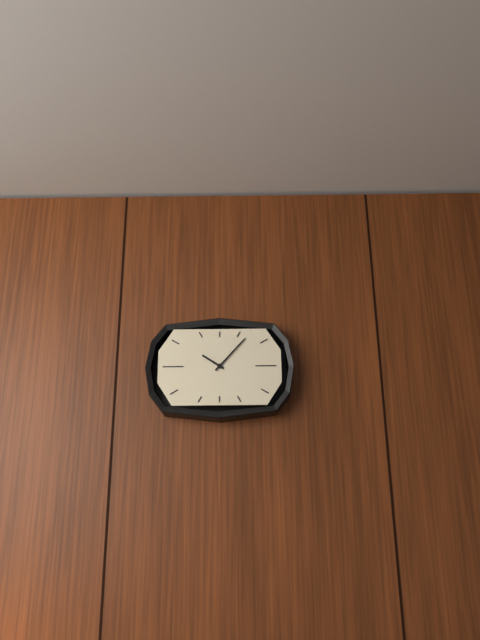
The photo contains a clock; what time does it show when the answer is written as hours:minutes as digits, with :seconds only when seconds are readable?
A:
10:07
